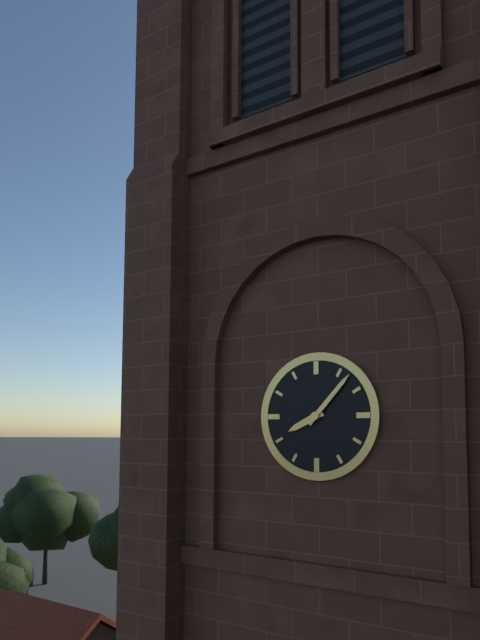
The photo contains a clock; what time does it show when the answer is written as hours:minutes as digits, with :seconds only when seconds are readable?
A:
8:07
